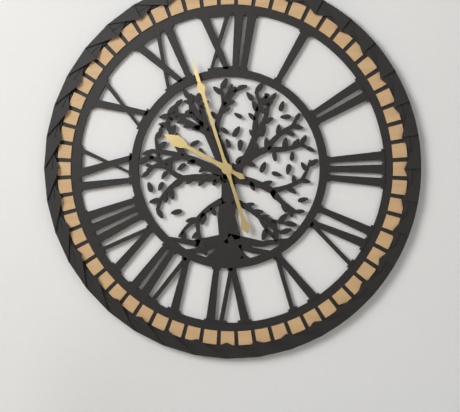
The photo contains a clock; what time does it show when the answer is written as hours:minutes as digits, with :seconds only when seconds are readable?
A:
9:57
